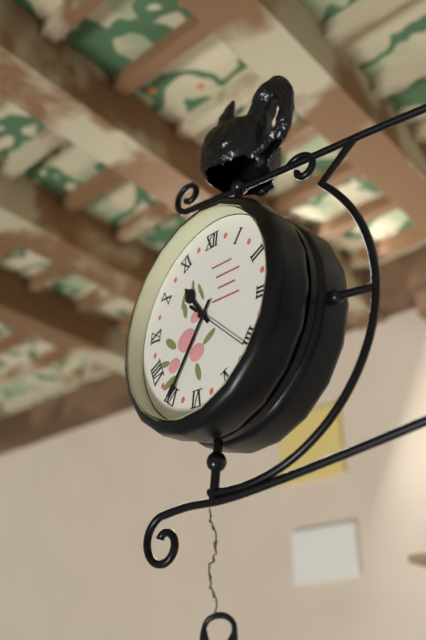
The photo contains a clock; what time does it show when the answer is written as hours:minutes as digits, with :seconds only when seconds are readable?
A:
10:35:21
